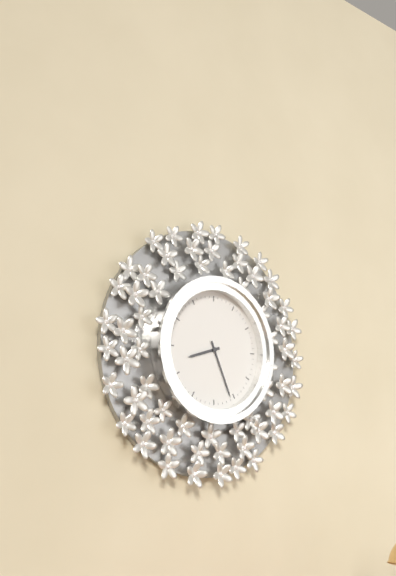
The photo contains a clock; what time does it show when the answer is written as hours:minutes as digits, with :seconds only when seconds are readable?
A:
8:26
